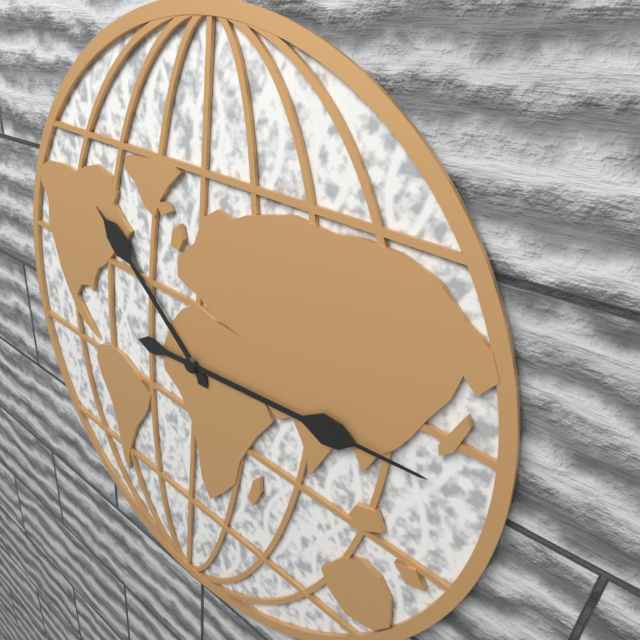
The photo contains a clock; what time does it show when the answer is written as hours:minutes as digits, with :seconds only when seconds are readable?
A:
10:14
